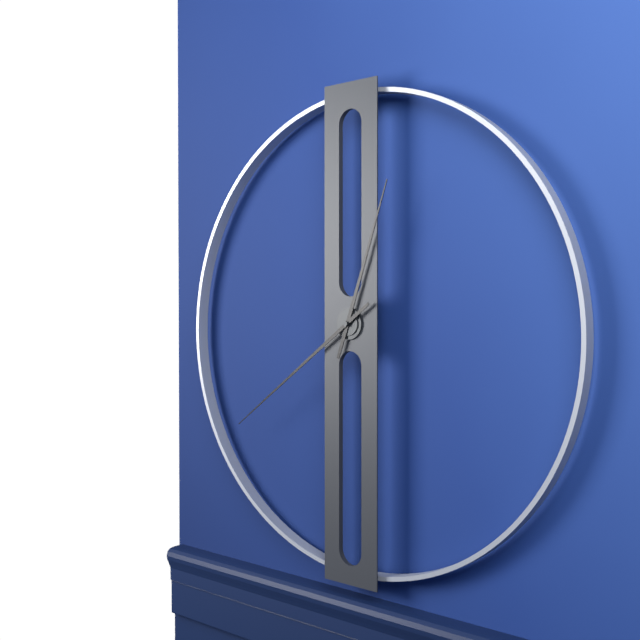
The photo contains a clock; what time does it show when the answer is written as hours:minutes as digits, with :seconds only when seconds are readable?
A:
12:39
